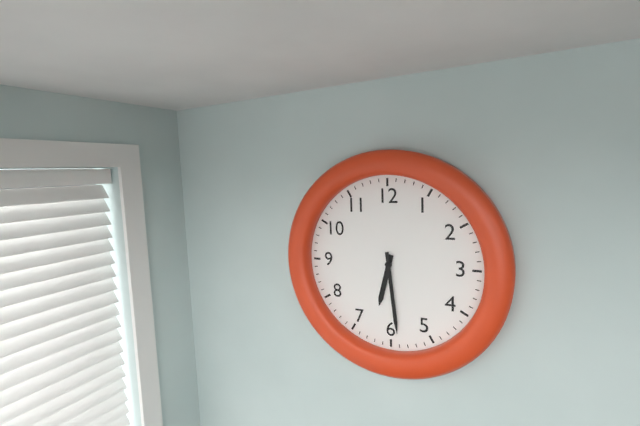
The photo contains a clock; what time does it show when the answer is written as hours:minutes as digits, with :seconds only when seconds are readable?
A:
6:29
